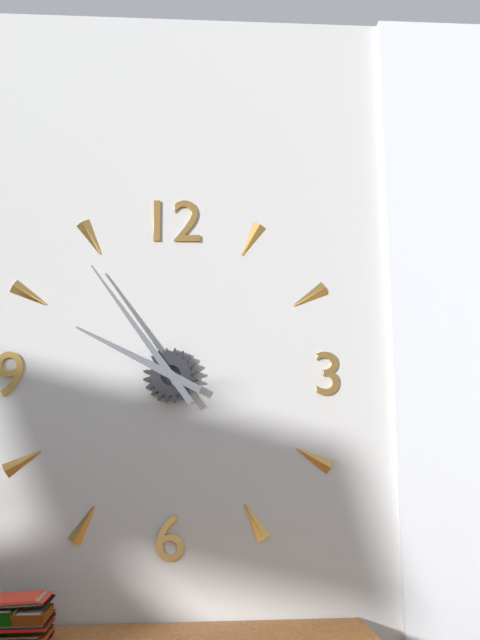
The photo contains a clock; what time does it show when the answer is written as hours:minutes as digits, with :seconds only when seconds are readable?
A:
9:54
